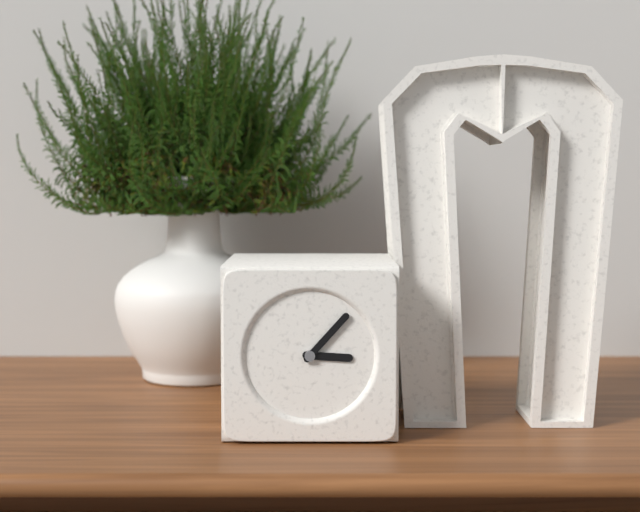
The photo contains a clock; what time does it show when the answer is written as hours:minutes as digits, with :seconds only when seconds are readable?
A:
3:07
